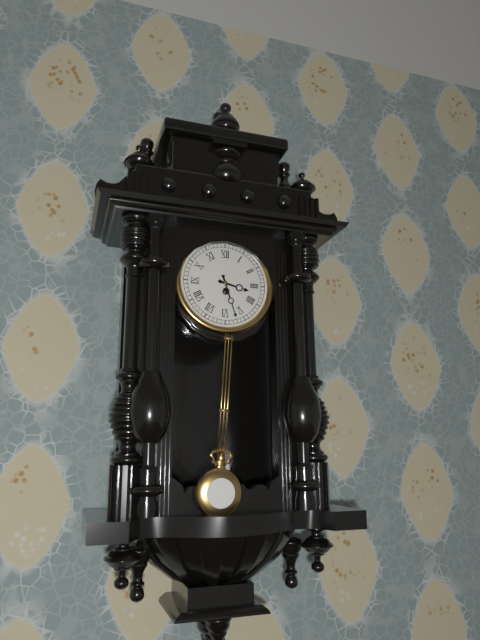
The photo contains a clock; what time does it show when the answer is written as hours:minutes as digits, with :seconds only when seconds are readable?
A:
3:27
